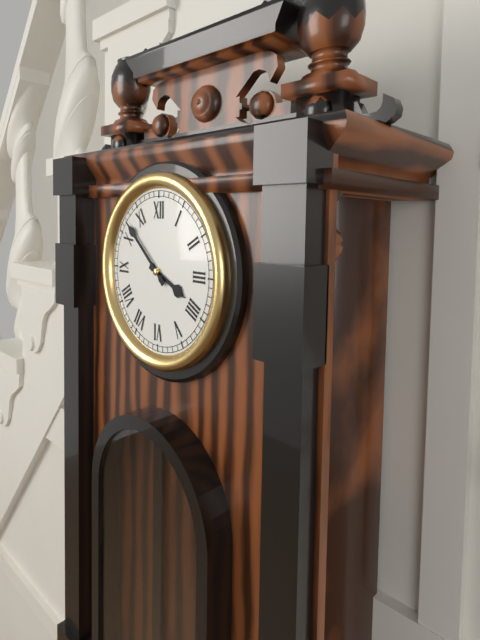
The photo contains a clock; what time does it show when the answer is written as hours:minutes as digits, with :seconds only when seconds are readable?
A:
3:52
